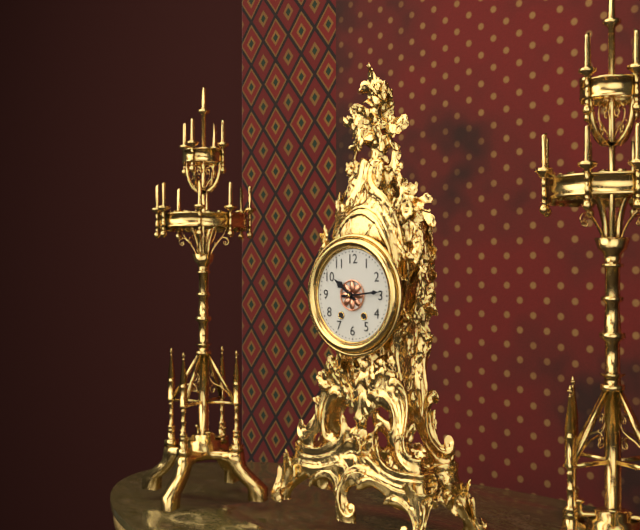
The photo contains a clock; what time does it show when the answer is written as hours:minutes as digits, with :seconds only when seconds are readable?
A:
10:14
